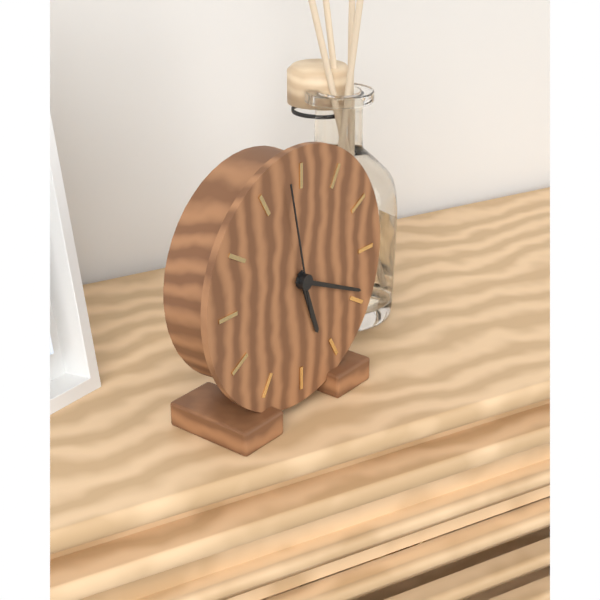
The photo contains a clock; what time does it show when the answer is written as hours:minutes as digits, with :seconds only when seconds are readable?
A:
5:19:58
